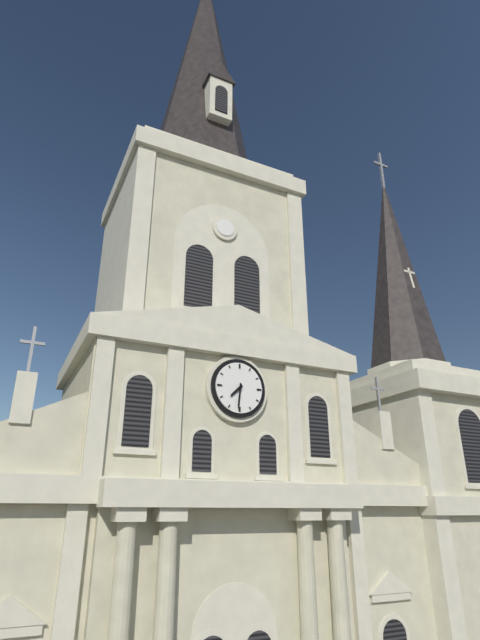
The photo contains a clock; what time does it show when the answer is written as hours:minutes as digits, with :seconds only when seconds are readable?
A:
7:31
